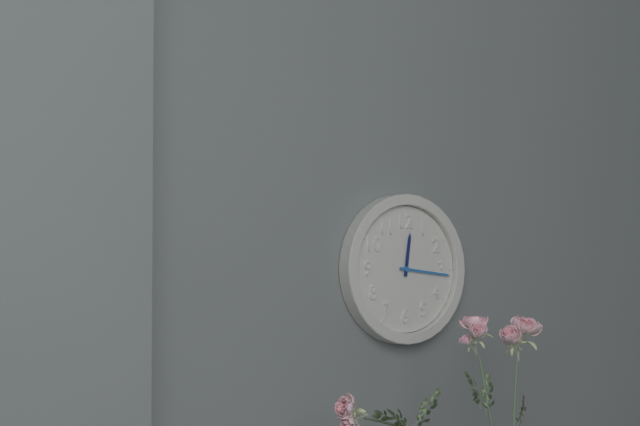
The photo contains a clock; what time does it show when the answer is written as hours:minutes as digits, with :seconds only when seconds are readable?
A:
12:16
